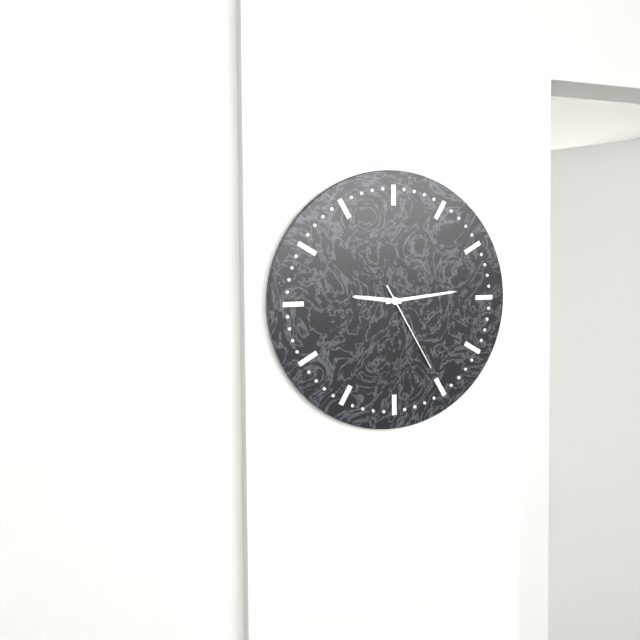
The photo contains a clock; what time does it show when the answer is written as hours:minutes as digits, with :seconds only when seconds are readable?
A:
9:14:25
